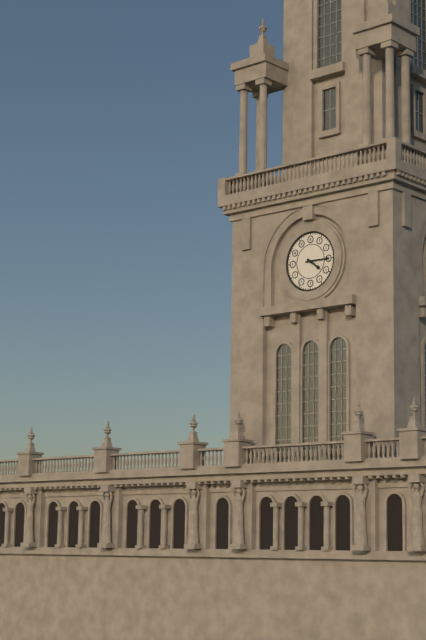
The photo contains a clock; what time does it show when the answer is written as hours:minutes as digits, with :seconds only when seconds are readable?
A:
4:15
